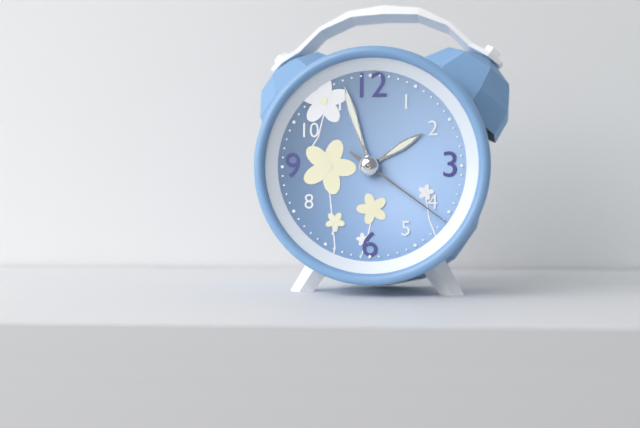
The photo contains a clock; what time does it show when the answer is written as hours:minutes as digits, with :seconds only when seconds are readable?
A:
1:57:21
